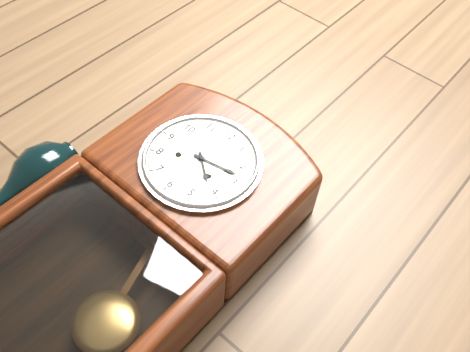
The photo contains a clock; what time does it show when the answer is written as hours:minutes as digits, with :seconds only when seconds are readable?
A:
4:13
